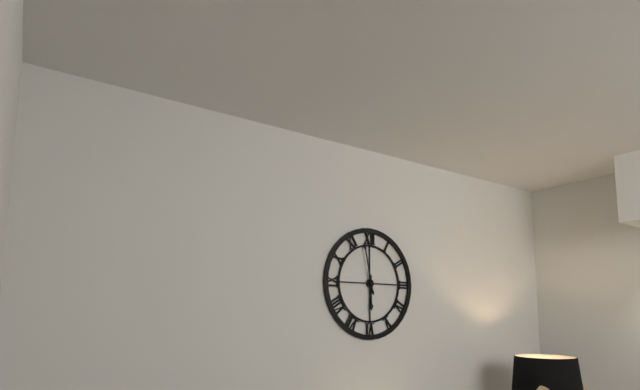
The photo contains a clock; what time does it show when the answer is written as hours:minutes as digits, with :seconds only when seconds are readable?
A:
5:58
